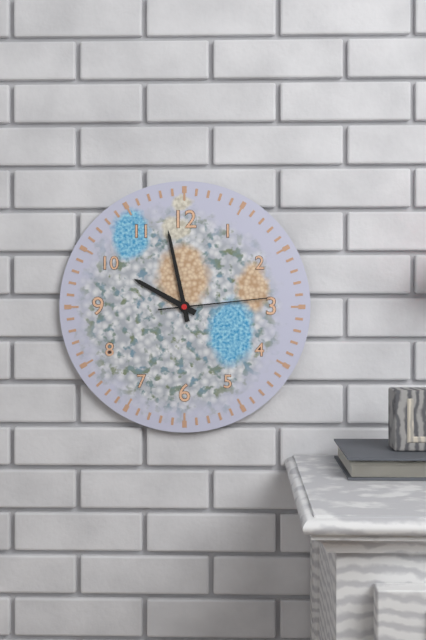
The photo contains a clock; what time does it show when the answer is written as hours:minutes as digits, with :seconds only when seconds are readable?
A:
9:58:14
